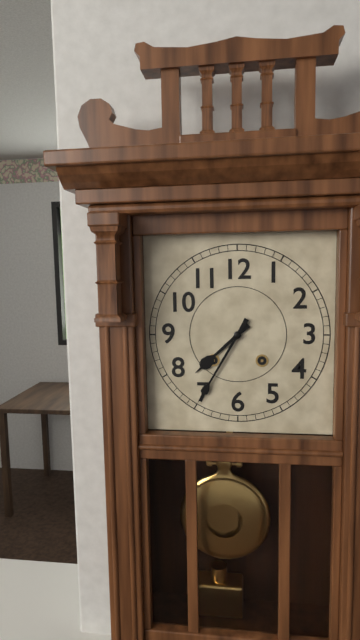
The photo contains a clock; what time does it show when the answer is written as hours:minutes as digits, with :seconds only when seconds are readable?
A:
7:35
